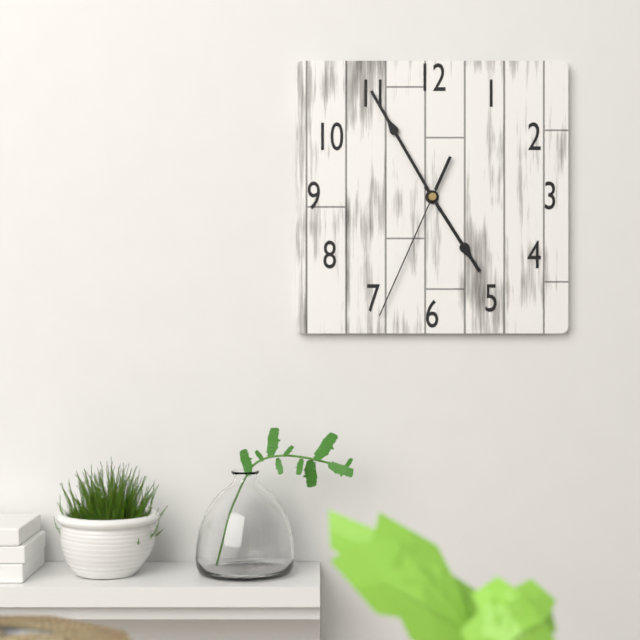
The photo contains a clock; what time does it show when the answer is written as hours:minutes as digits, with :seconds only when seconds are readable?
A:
4:55:34
